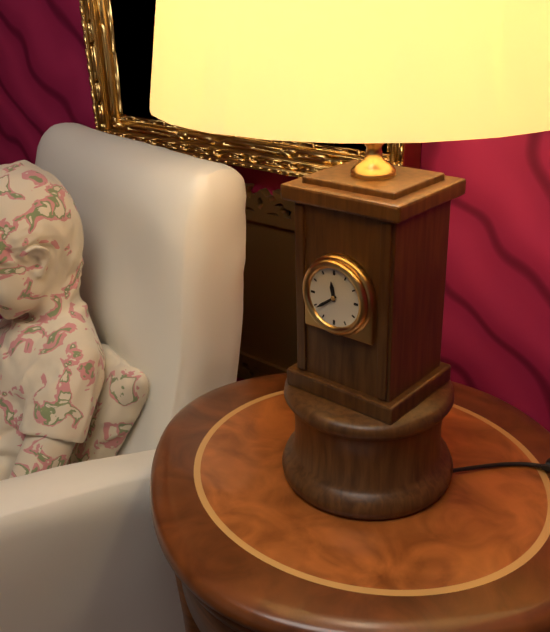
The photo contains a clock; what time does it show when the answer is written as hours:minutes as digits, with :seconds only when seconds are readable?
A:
11:39
